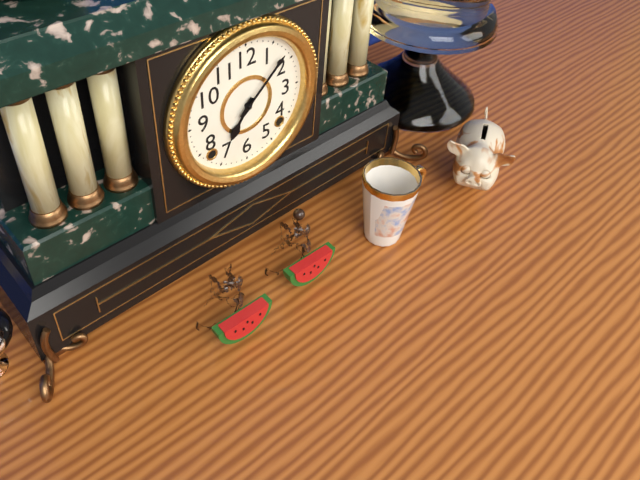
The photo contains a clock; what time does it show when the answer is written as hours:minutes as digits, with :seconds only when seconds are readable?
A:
7:08
